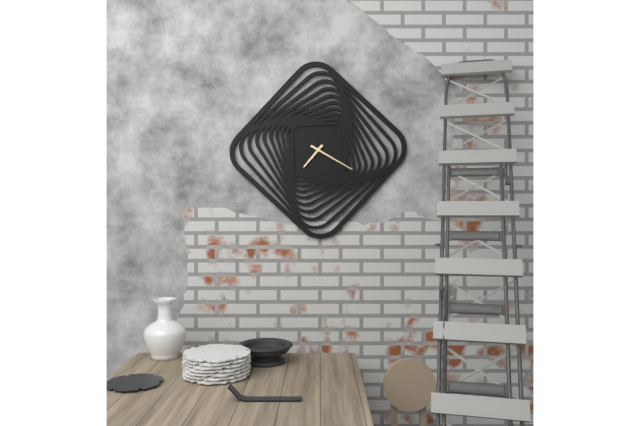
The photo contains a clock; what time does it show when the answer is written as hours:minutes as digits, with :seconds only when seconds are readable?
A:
7:20
